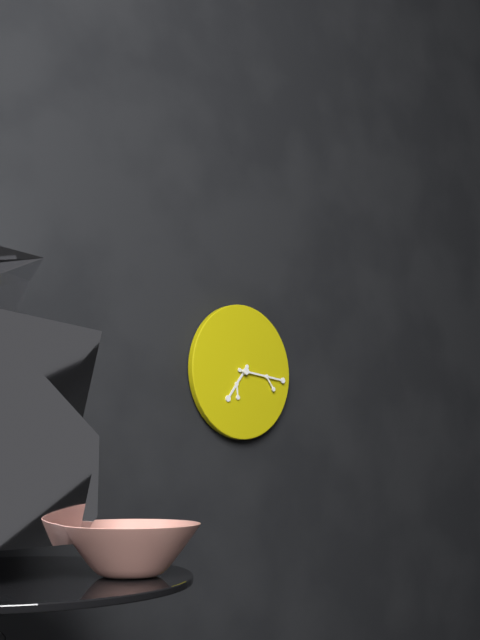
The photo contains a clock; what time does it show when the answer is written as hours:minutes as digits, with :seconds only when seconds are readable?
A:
7:16
